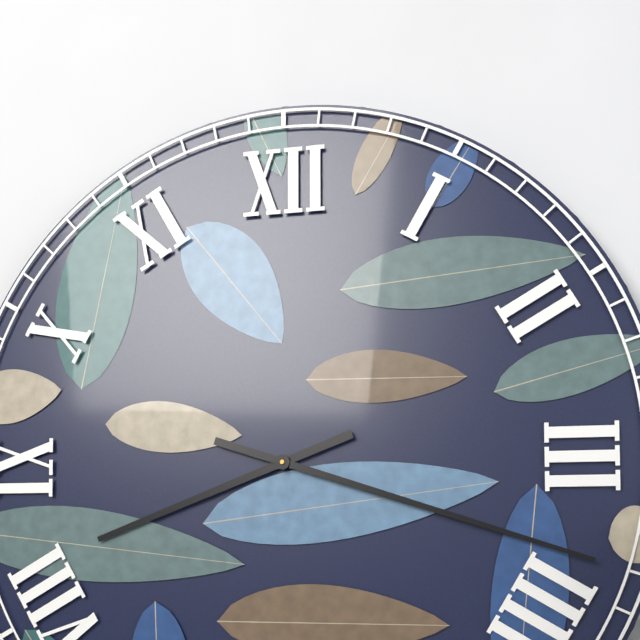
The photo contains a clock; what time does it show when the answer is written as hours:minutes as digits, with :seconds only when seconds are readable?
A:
8:18
